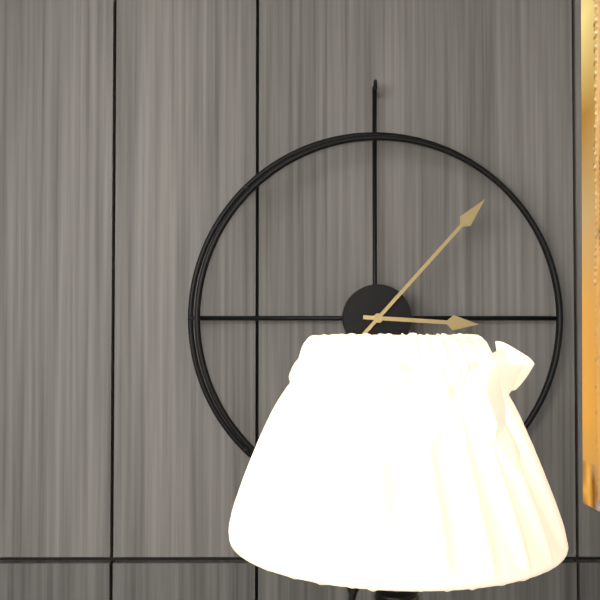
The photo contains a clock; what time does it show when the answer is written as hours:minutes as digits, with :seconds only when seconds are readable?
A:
3:07
